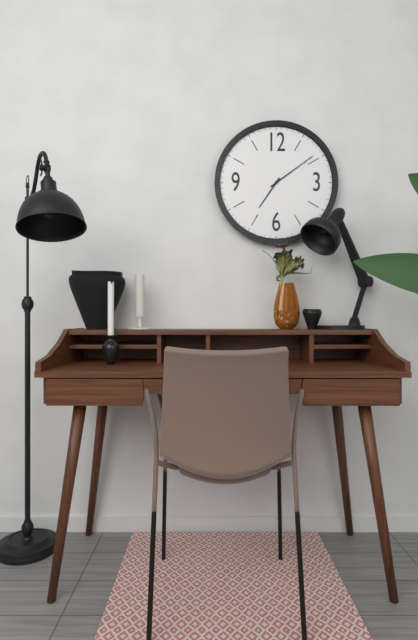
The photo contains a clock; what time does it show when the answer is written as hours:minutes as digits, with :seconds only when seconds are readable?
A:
7:09
